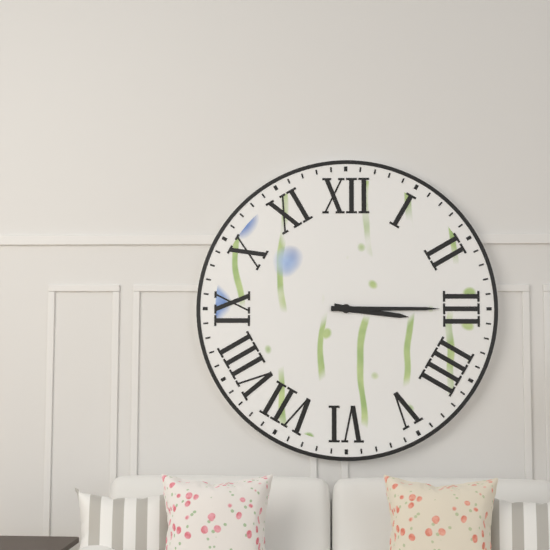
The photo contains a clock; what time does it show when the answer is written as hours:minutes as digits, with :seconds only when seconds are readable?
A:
3:15
